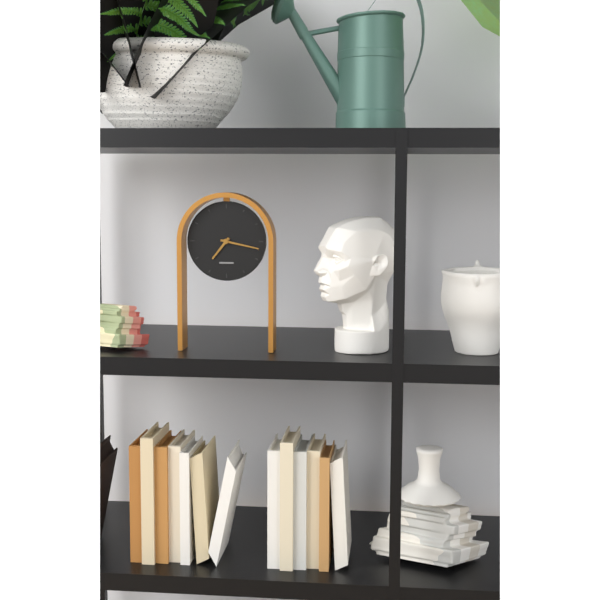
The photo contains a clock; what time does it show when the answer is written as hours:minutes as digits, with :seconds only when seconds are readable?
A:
7:17
